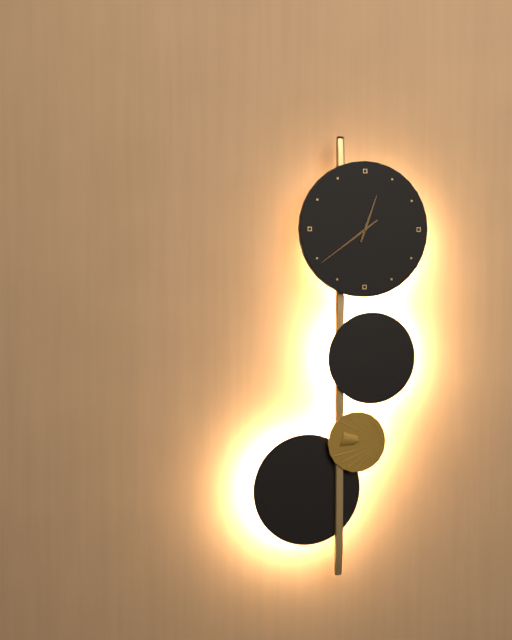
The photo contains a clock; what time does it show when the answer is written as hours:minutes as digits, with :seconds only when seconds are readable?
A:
12:39
